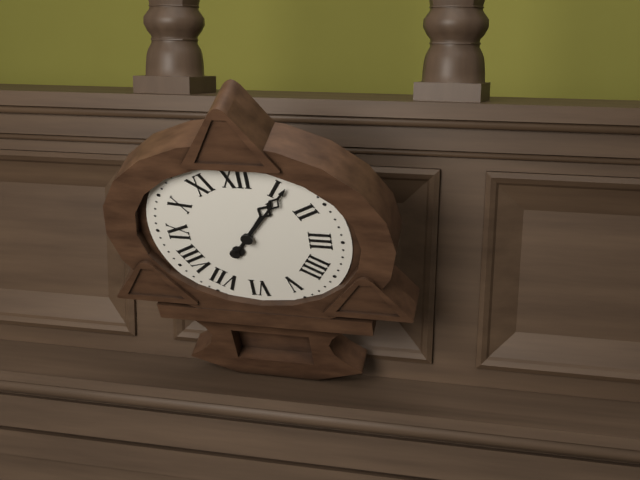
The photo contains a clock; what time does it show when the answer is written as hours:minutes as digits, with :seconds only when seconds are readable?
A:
1:06
